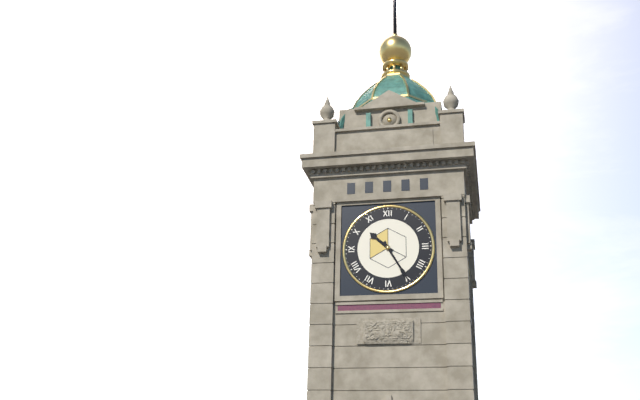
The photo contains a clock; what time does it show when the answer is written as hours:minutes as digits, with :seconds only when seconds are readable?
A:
10:25
